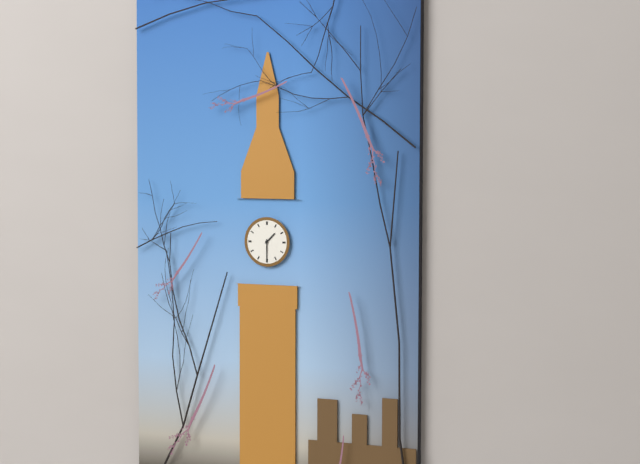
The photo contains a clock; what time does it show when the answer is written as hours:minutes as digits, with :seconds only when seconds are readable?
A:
1:30
